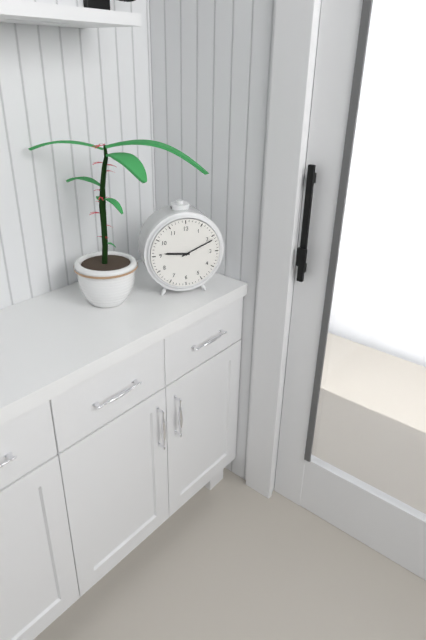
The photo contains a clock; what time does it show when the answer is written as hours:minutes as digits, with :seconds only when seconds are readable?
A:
9:11
